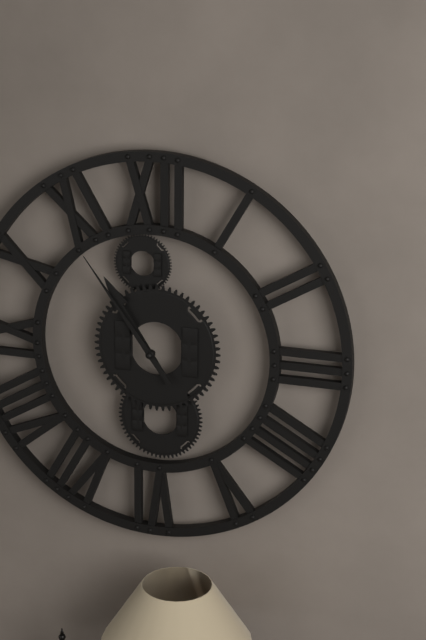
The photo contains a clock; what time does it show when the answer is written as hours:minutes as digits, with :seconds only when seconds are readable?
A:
10:54
